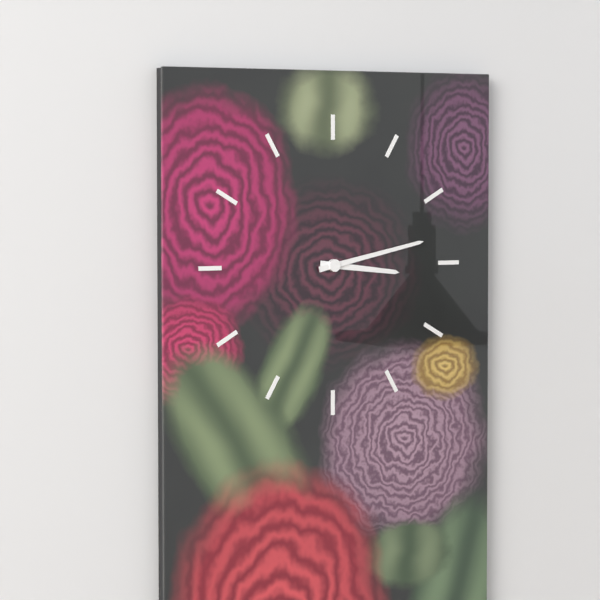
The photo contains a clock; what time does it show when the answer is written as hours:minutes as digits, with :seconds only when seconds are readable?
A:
3:13
